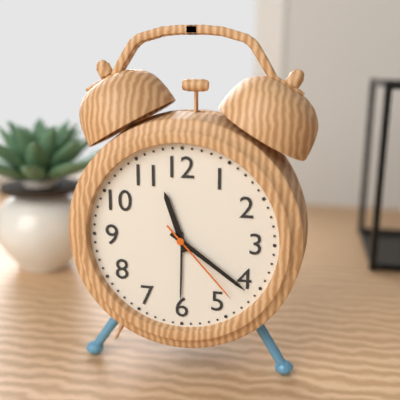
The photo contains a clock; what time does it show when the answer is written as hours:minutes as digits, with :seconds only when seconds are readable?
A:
11:21:23
